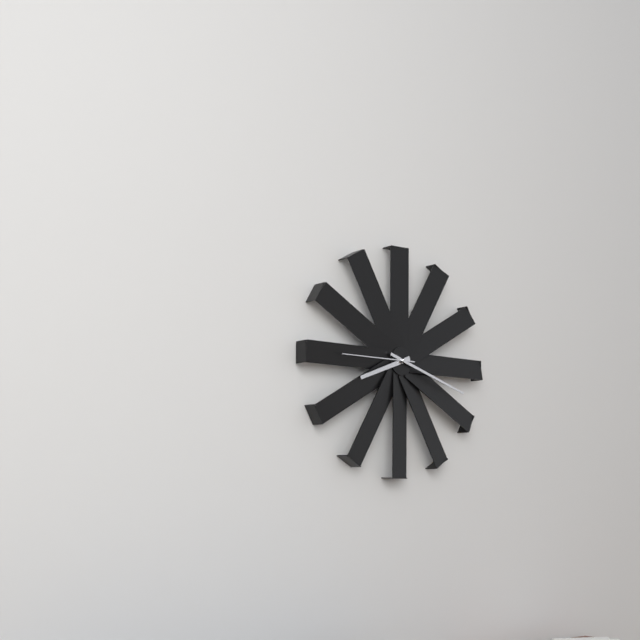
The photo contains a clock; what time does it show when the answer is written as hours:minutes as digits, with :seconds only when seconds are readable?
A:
8:18:45
